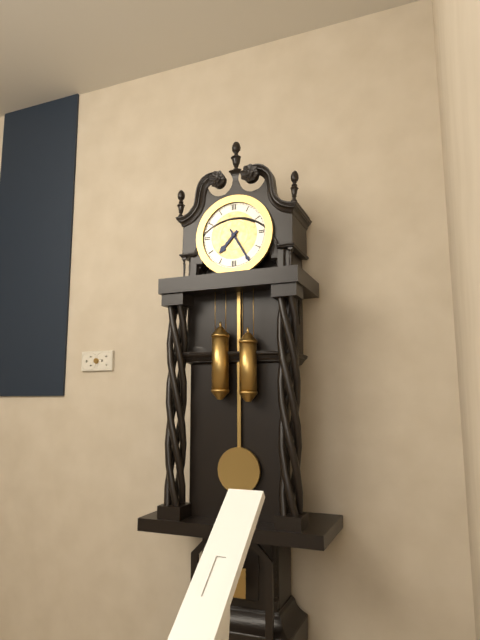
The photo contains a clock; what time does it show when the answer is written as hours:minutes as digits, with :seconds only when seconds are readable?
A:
7:25
